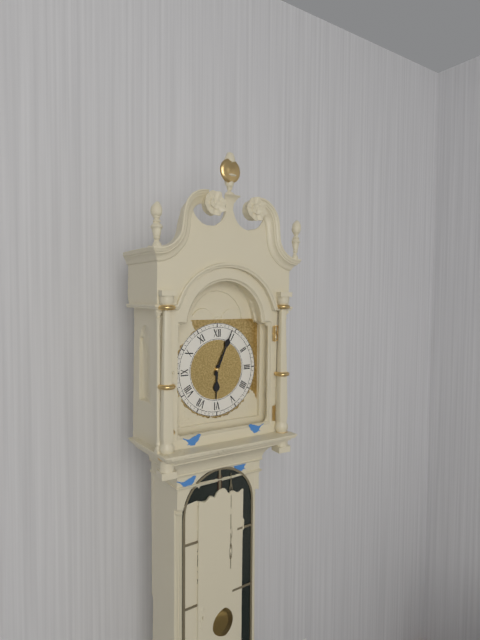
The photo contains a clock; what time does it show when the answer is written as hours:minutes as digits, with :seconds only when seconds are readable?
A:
6:04
